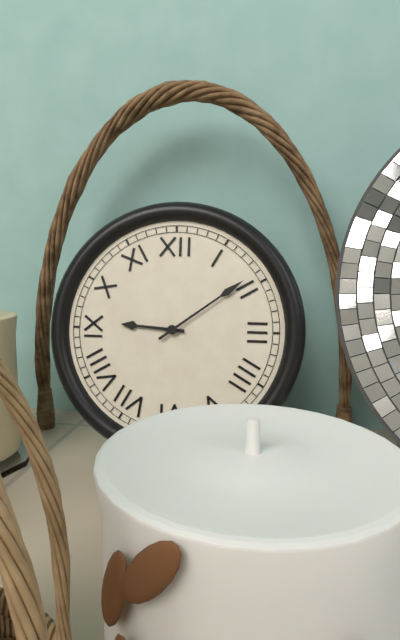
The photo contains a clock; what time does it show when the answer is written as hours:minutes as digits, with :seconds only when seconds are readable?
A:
9:09
